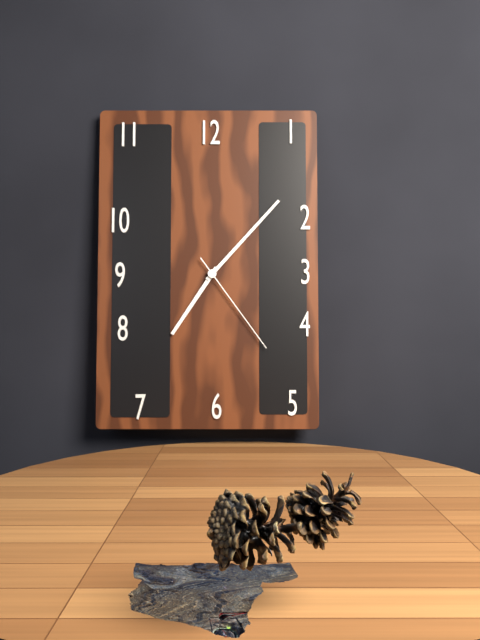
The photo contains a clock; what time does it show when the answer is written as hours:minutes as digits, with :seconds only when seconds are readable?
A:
7:07:24
